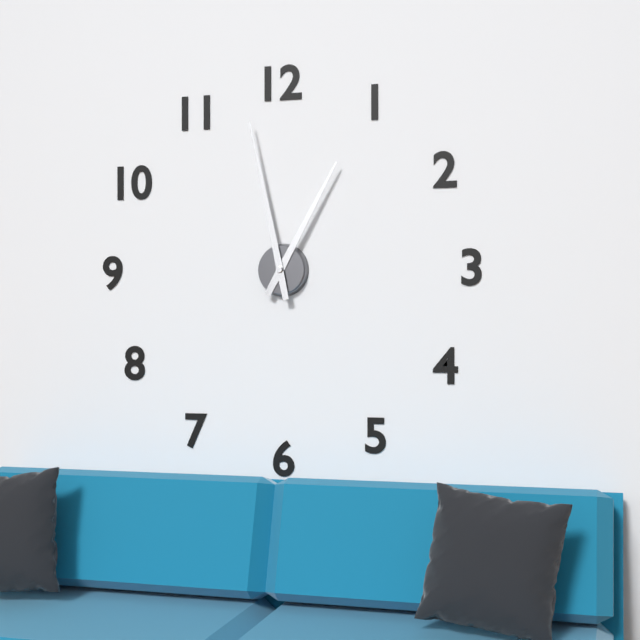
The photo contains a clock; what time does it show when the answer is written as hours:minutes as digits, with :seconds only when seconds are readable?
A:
12:58
